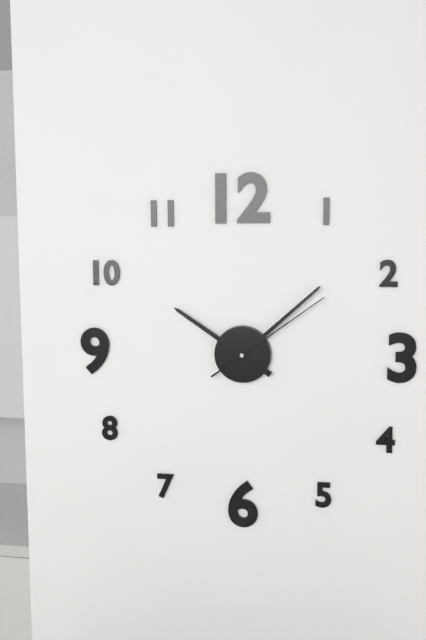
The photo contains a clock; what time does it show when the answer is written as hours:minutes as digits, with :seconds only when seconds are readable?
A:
10:08:09
